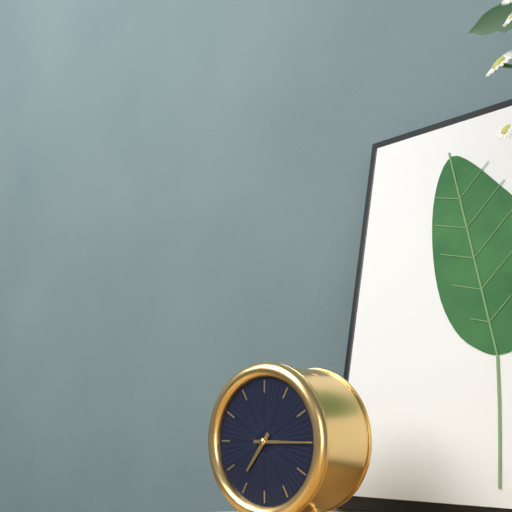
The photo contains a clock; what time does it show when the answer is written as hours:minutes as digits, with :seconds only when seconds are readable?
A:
7:15
